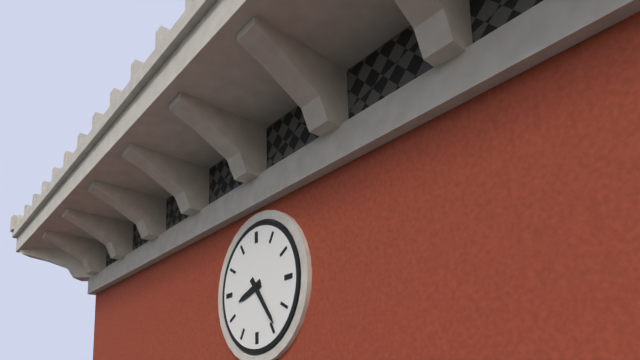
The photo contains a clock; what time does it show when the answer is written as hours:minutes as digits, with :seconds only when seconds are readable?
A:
8:24
